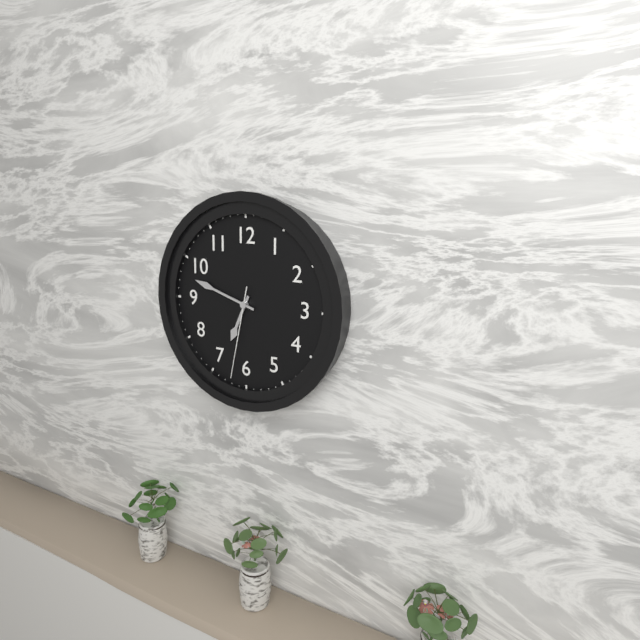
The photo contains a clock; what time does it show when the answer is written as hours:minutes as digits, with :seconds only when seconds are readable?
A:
6:48:32
